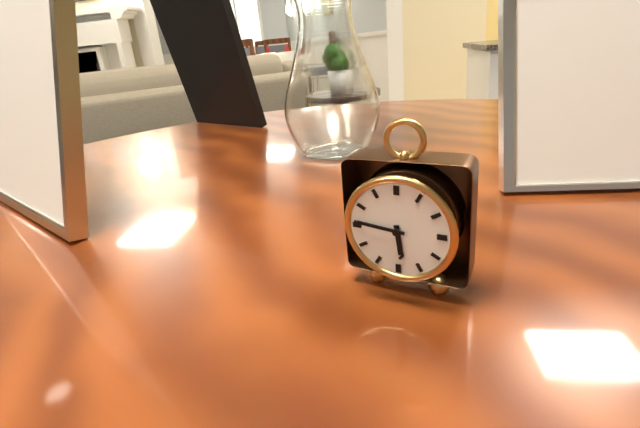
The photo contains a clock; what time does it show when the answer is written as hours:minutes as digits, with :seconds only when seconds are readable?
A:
5:46
